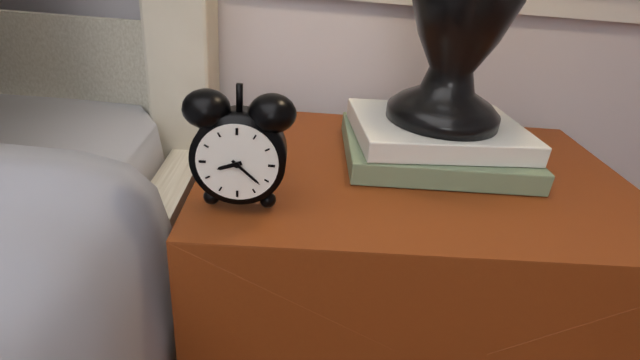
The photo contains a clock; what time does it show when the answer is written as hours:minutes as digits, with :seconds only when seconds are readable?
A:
8:22
